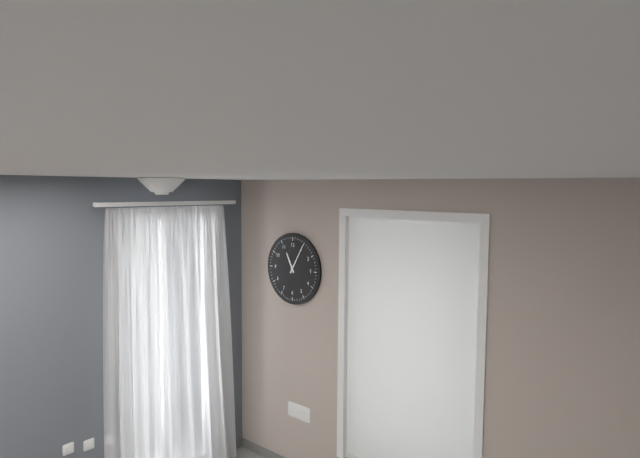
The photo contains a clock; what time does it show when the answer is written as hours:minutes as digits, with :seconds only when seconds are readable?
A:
11:05
